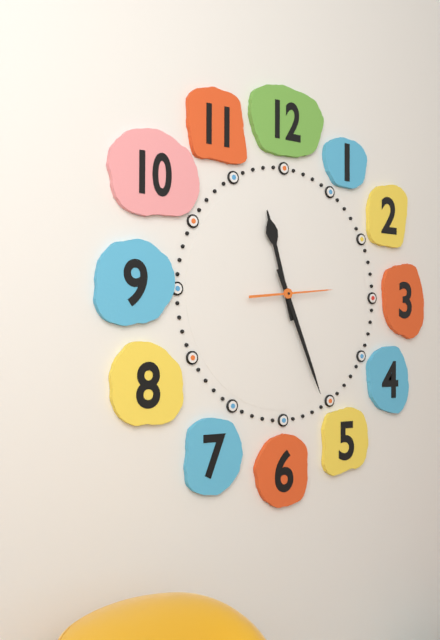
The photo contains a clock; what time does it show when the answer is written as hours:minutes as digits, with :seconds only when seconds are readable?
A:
11:26:14
